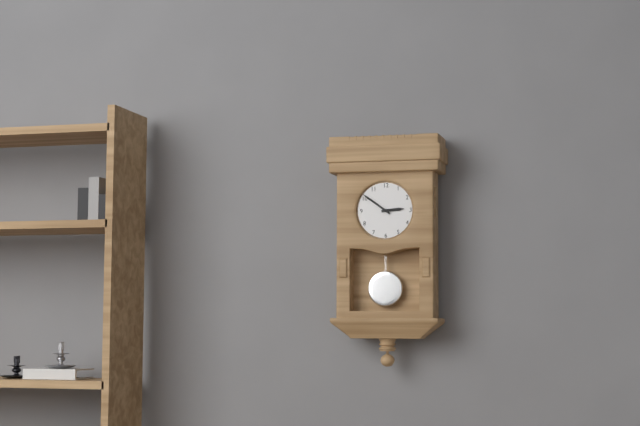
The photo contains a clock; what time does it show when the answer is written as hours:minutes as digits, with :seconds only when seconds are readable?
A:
2:51
